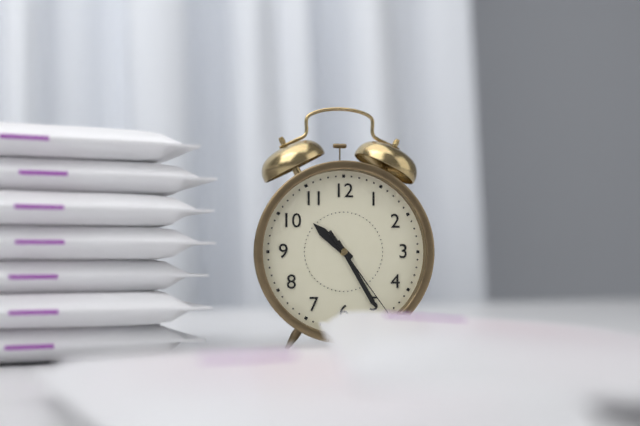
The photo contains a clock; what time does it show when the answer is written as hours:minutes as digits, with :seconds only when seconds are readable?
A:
10:25:24
